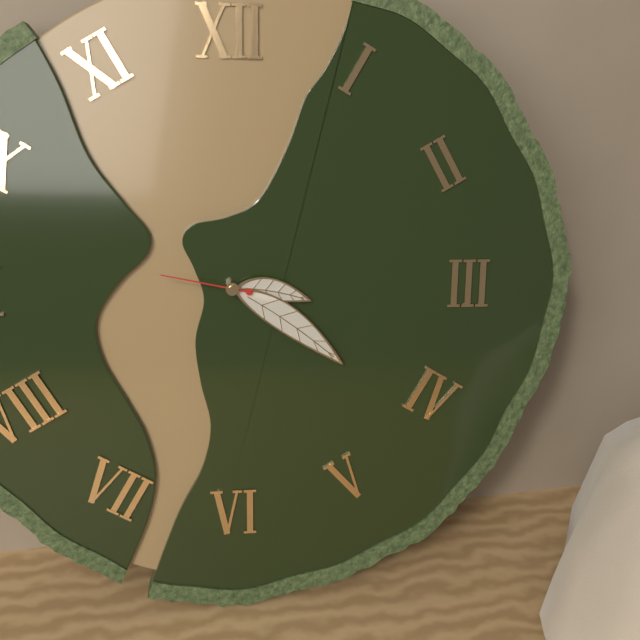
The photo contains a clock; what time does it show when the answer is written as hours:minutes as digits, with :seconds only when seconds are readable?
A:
3:21:47
